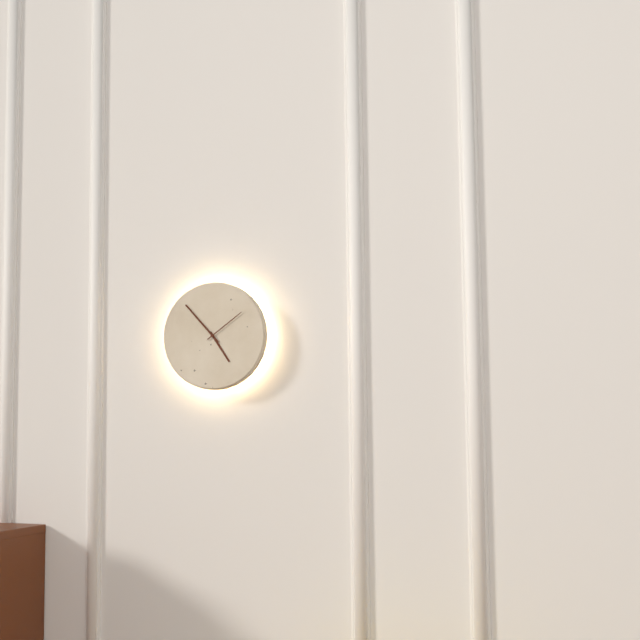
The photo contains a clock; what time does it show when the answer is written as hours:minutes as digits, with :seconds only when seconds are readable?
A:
4:53
